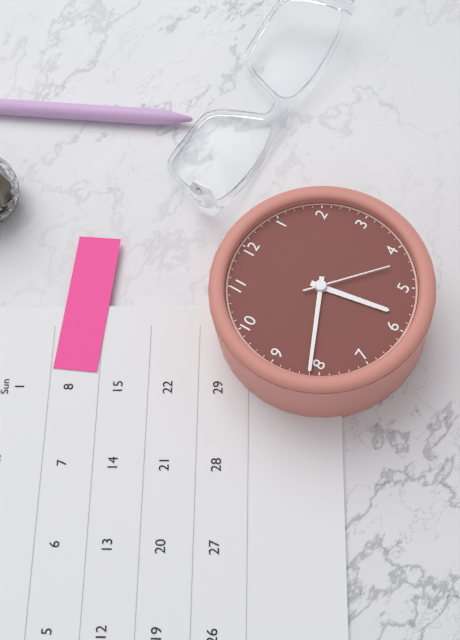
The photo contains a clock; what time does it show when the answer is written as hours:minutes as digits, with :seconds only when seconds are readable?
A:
5:41:22
